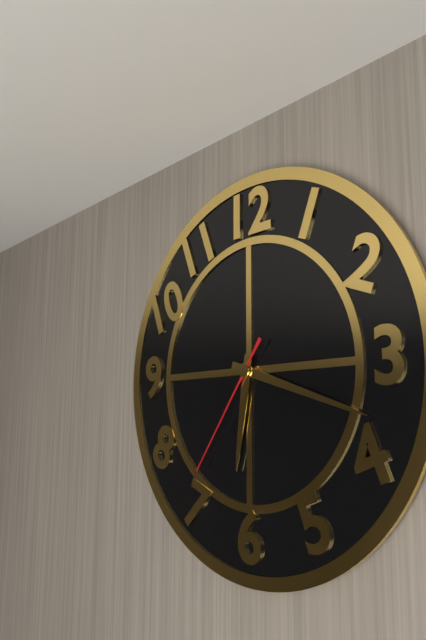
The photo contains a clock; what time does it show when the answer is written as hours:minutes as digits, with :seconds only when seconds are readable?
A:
6:18:36
